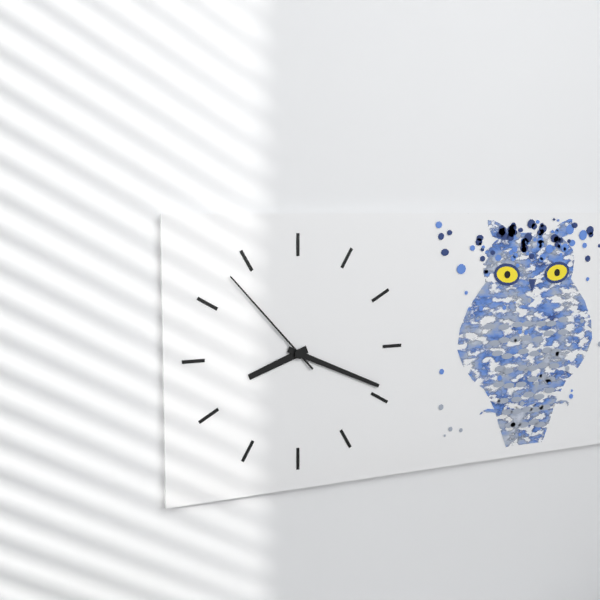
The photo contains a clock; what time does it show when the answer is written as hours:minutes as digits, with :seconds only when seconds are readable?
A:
8:19:53
